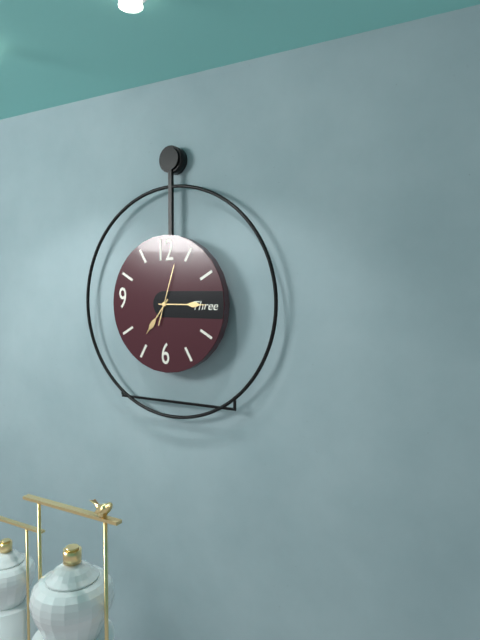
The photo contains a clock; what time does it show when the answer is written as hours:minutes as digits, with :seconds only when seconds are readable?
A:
7:15:03
